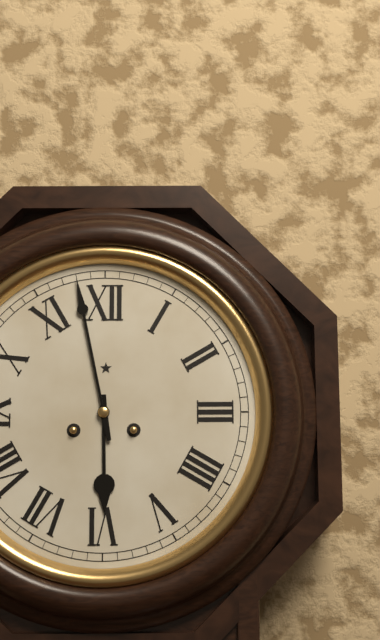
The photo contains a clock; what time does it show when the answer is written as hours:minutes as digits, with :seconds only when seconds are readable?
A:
5:58
